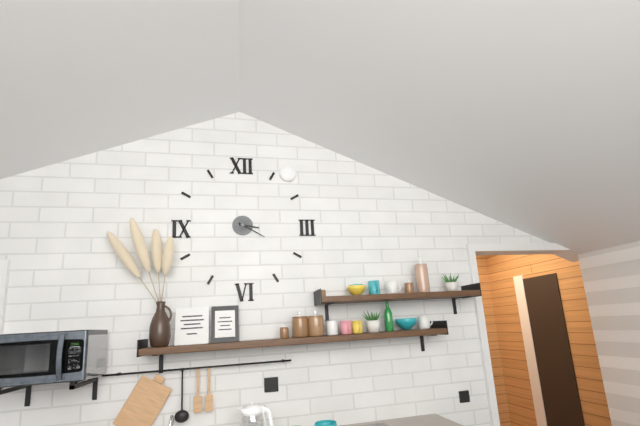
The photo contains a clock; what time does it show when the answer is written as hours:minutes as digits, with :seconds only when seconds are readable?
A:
3:20
